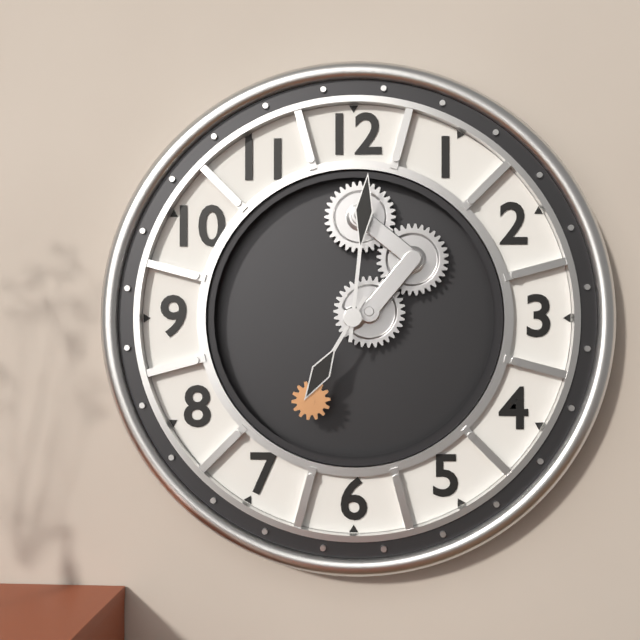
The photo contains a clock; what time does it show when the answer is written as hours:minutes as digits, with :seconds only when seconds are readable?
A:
7:01
